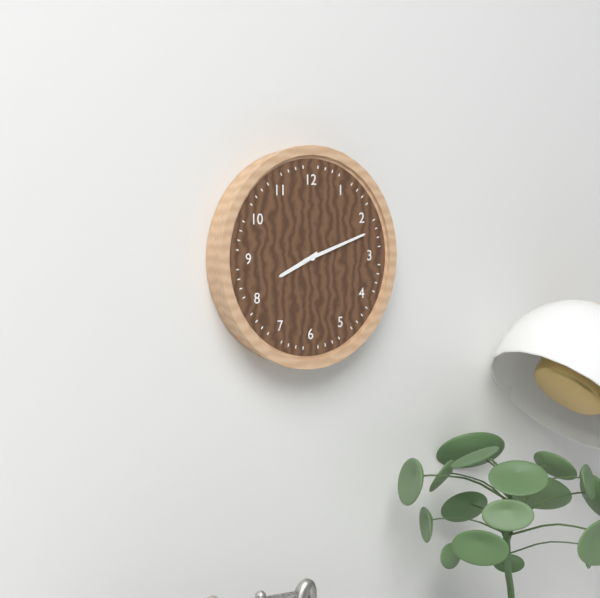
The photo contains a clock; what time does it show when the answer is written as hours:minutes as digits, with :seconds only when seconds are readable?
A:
8:12
